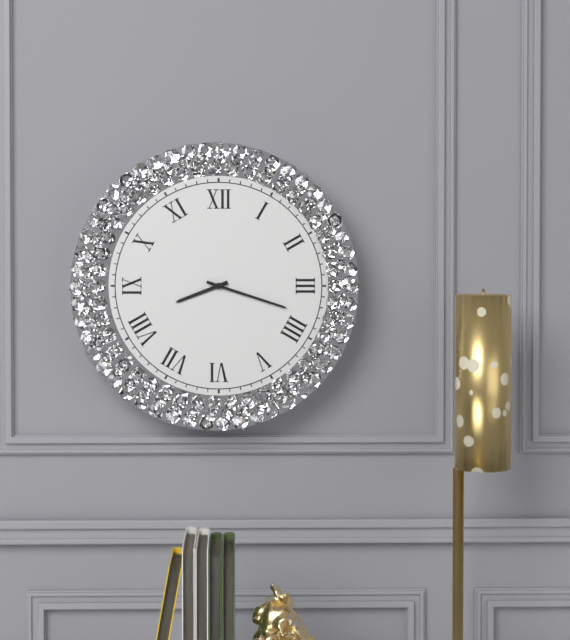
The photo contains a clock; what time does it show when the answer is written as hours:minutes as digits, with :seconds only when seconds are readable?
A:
8:18
